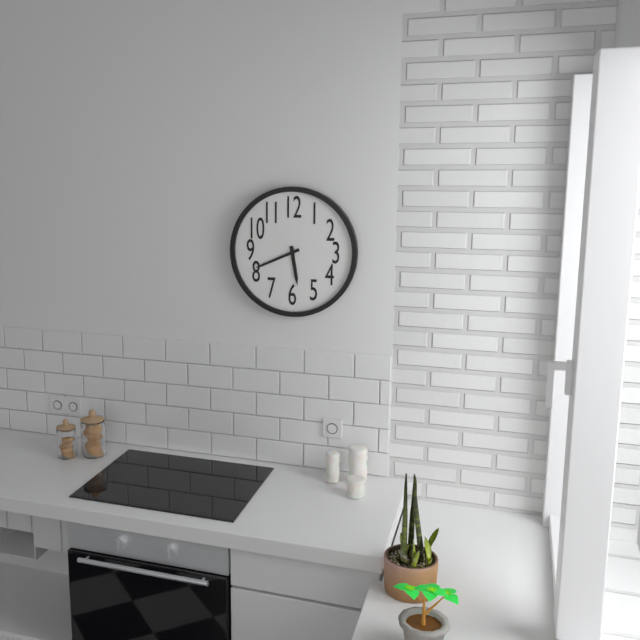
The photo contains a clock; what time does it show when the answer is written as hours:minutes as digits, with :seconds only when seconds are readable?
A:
5:41
